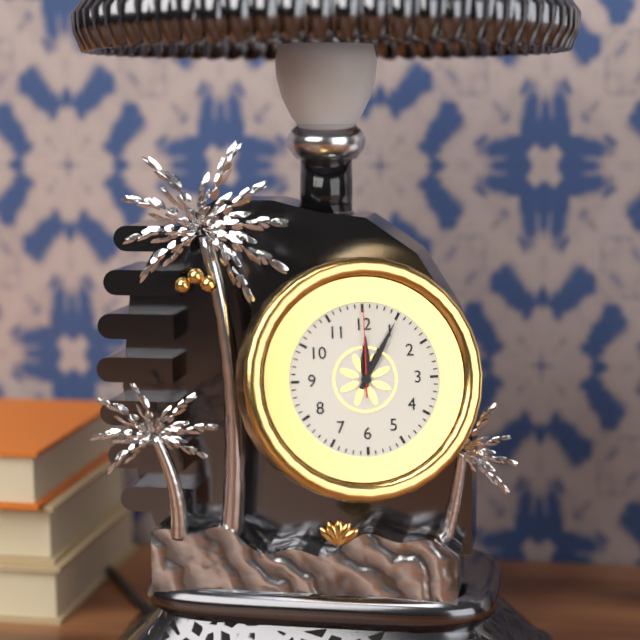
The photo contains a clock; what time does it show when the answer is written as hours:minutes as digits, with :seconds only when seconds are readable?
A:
12:05:00
